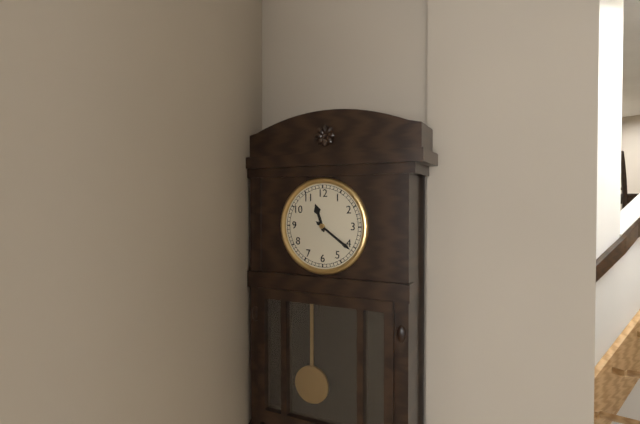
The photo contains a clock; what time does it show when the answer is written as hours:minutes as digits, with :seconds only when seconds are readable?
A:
11:21
